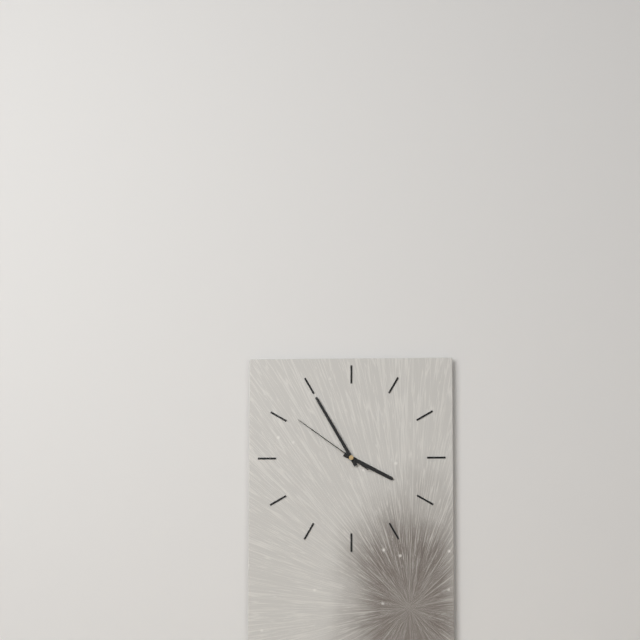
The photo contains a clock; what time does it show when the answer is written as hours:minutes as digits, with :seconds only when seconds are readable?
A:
3:55:51
